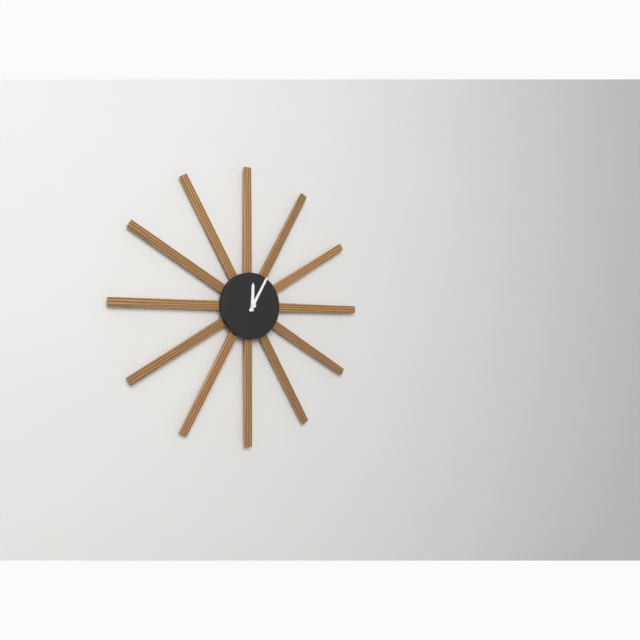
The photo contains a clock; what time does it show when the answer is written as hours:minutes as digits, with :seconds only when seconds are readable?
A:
12:05
